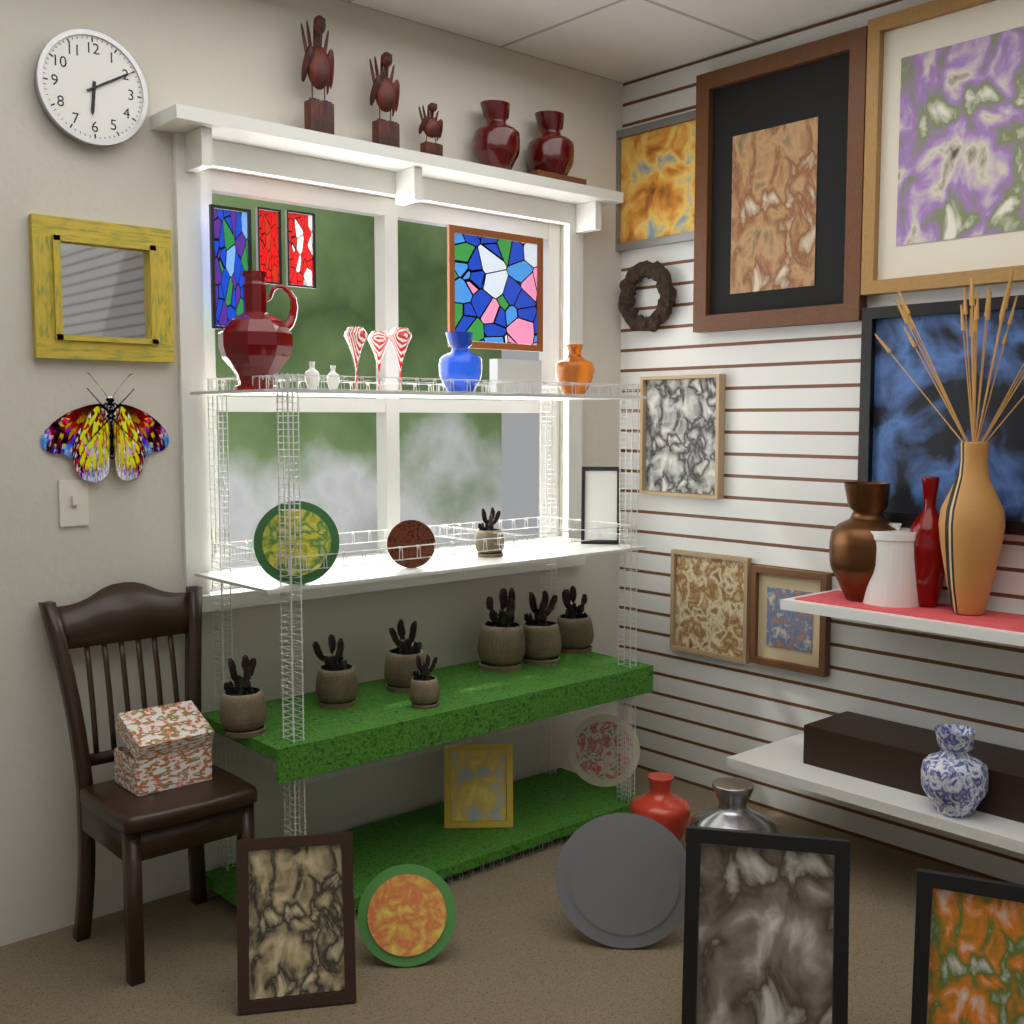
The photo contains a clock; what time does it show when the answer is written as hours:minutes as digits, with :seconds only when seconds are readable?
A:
6:10
